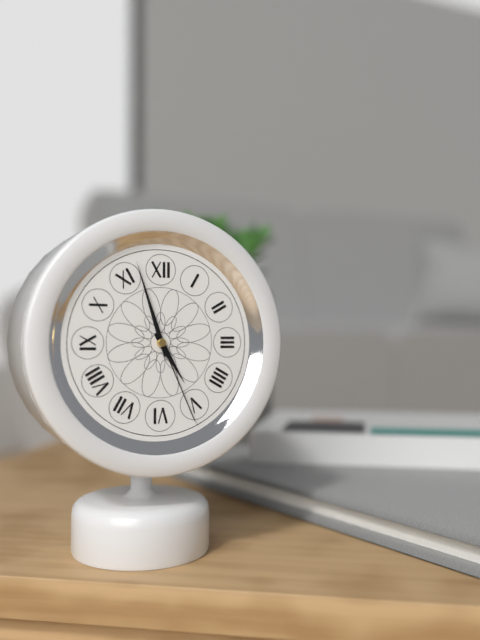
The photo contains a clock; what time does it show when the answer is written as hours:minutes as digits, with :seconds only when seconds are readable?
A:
4:57:26
